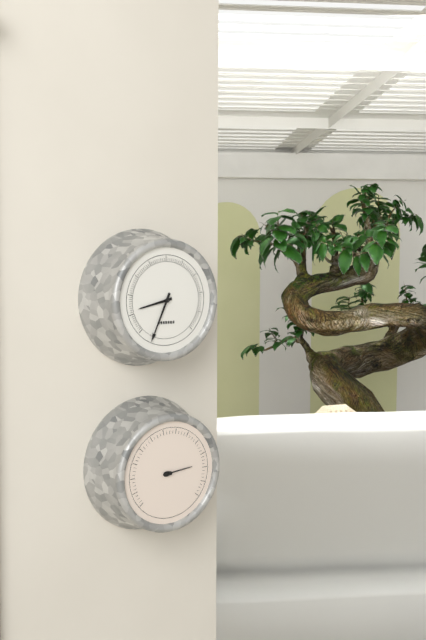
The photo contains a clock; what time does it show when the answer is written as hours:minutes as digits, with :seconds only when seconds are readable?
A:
8:34
